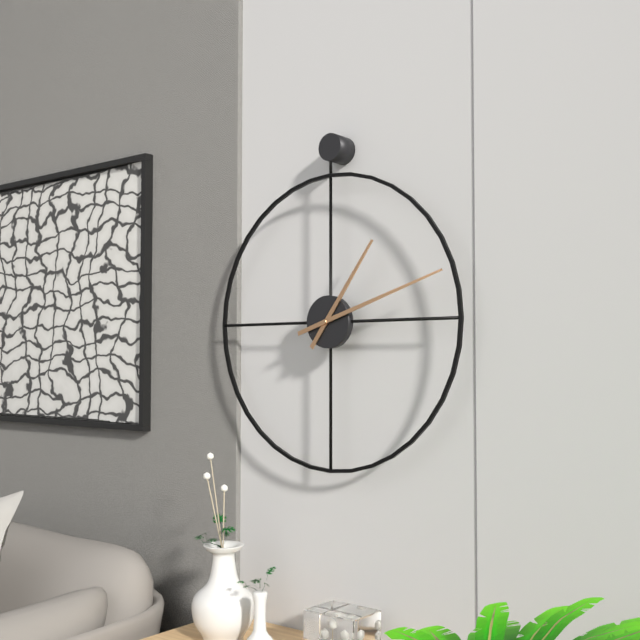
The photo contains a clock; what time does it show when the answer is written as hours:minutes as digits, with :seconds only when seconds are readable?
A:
1:12
